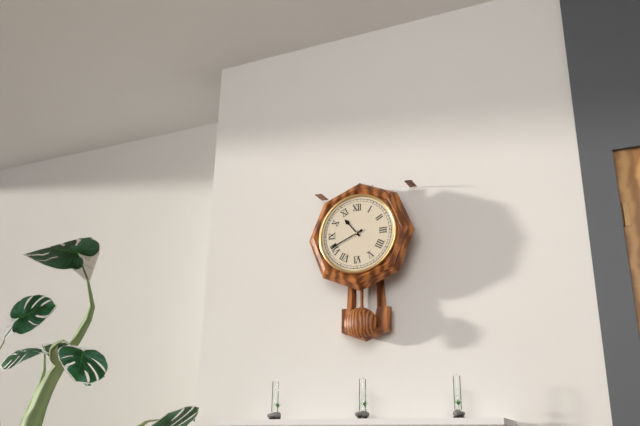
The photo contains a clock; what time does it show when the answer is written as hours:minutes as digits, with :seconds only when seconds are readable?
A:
10:41
